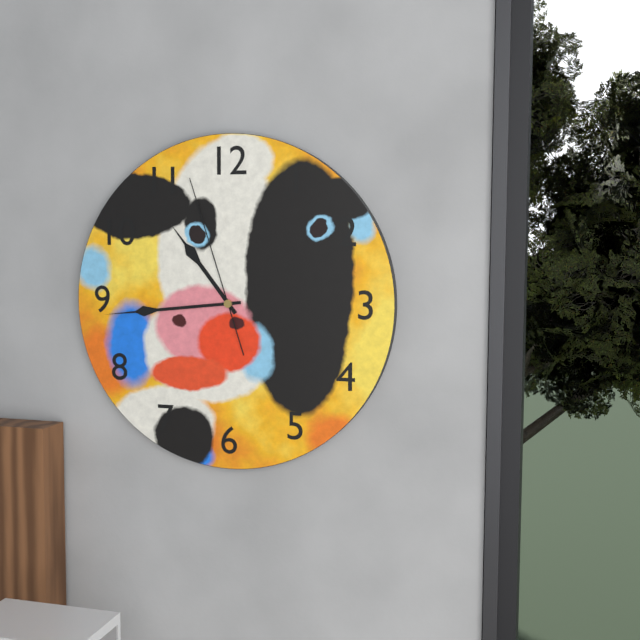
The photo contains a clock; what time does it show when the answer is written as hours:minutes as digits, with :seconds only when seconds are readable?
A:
10:44:57
